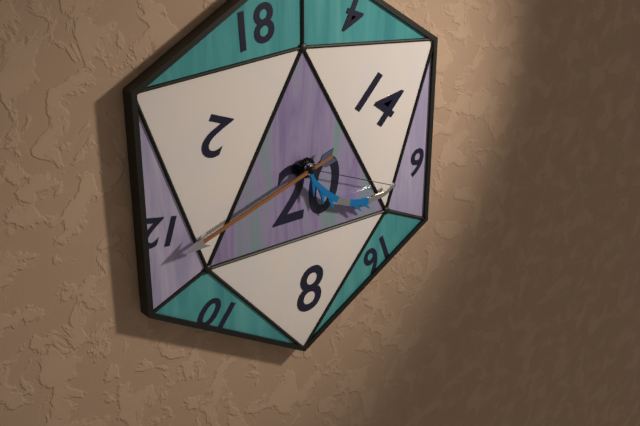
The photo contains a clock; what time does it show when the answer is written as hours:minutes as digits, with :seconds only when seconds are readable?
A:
3:42
